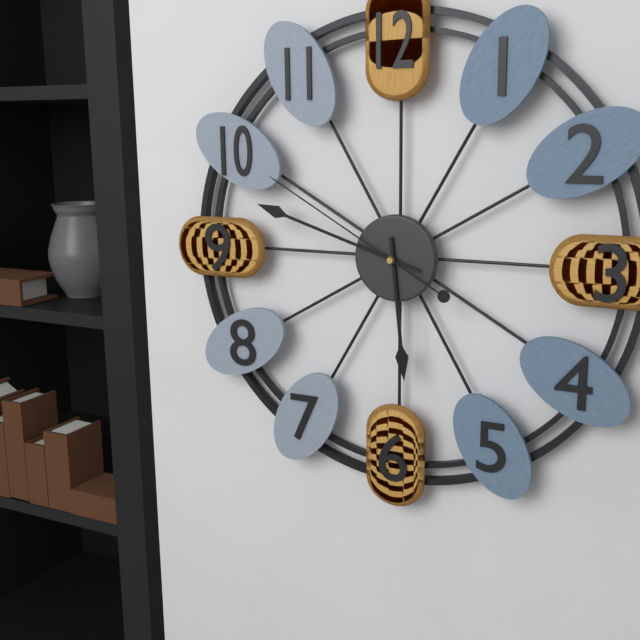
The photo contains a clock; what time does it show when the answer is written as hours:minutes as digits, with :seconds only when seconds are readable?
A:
5:48:50
